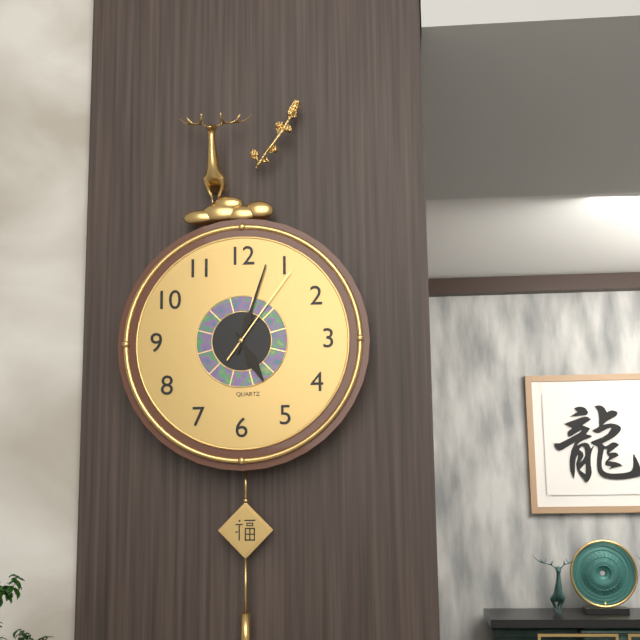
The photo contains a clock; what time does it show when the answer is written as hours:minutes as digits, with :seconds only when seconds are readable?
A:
5:03:06
